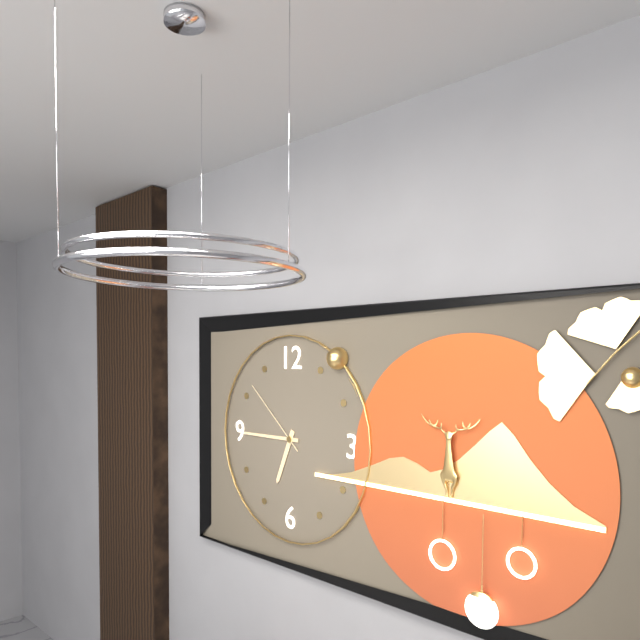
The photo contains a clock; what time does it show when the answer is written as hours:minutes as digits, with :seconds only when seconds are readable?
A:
6:45:52
